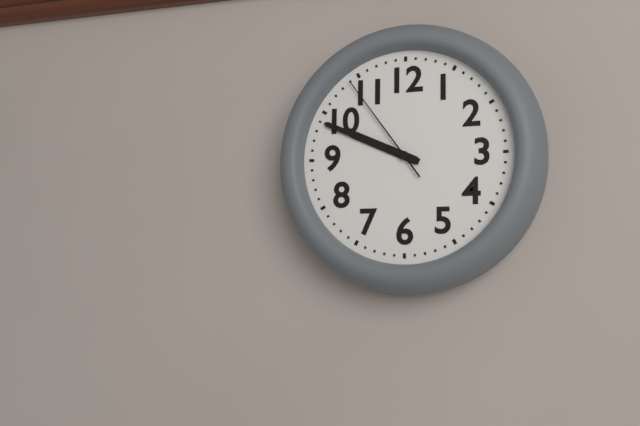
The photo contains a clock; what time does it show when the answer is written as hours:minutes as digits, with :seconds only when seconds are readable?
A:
9:49:54
